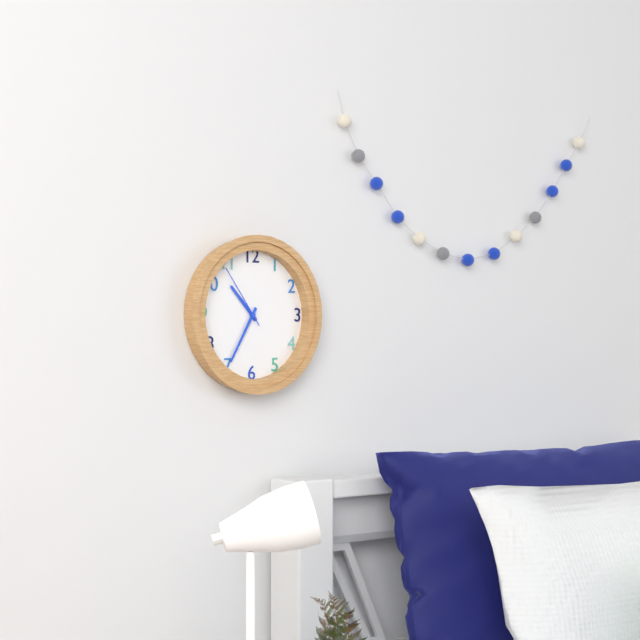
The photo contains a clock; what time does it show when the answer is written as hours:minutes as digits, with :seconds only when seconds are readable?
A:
10:35:54
